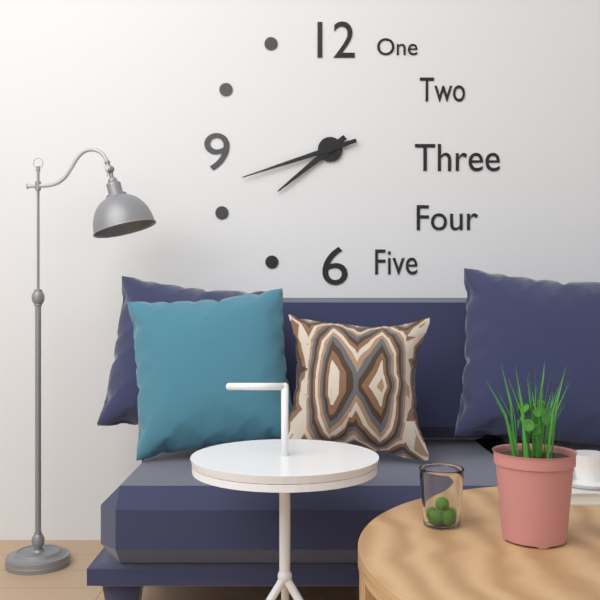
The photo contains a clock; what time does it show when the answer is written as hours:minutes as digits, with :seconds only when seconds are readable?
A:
7:42
